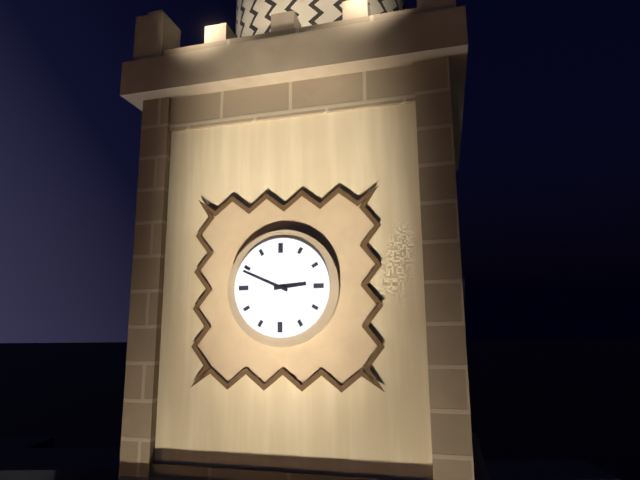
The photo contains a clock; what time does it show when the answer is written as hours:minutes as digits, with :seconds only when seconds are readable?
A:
2:49
